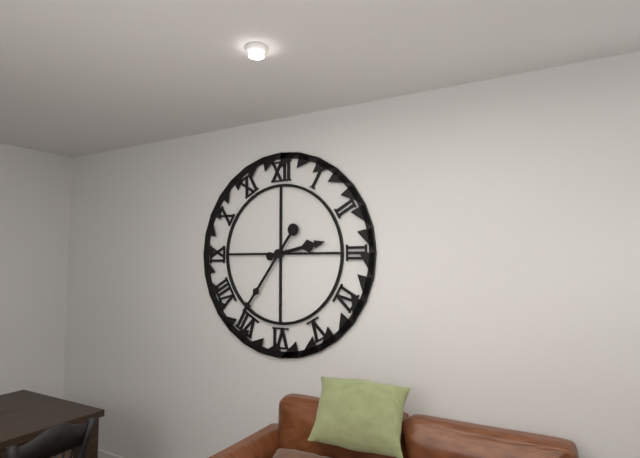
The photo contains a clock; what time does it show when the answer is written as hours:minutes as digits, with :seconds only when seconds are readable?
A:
2:36
